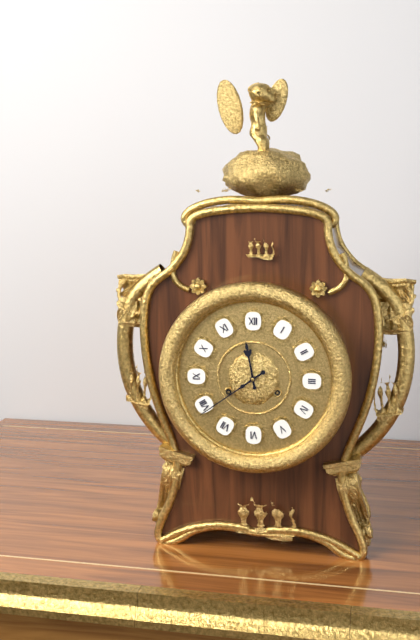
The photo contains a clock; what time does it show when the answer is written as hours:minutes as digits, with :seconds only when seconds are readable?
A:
11:39
